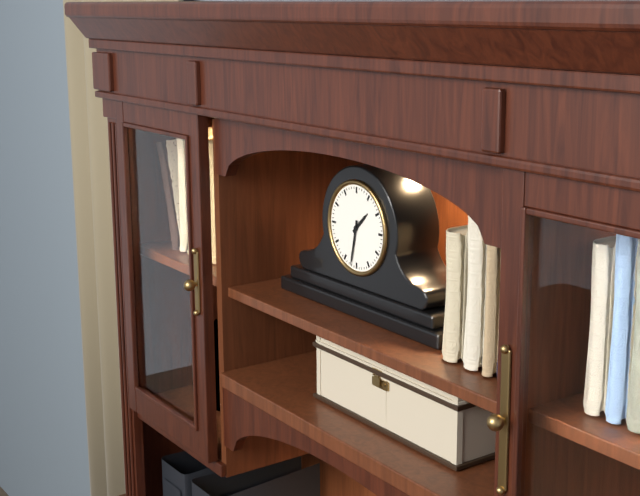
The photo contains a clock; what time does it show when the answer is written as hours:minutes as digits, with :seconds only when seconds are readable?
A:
1:32
